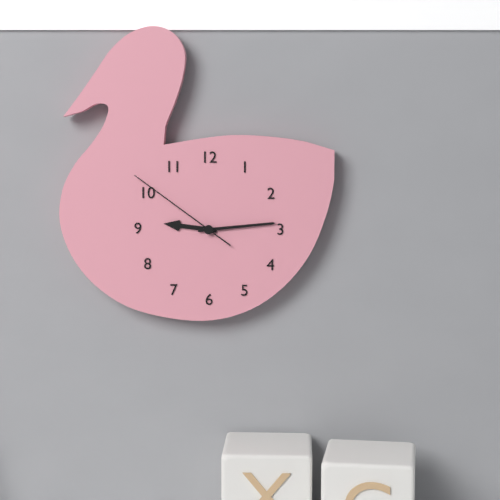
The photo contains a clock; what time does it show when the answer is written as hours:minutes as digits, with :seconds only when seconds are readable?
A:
9:14:51
